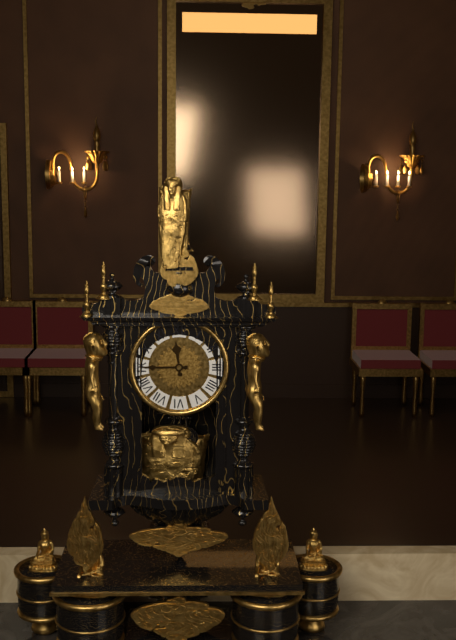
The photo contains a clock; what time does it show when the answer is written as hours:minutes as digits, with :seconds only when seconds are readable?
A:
11:45
